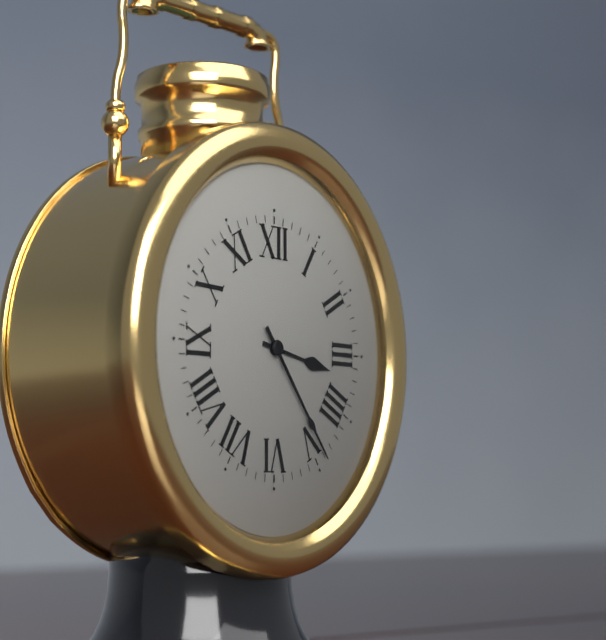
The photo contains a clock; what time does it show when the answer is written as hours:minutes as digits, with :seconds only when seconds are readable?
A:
3:24
